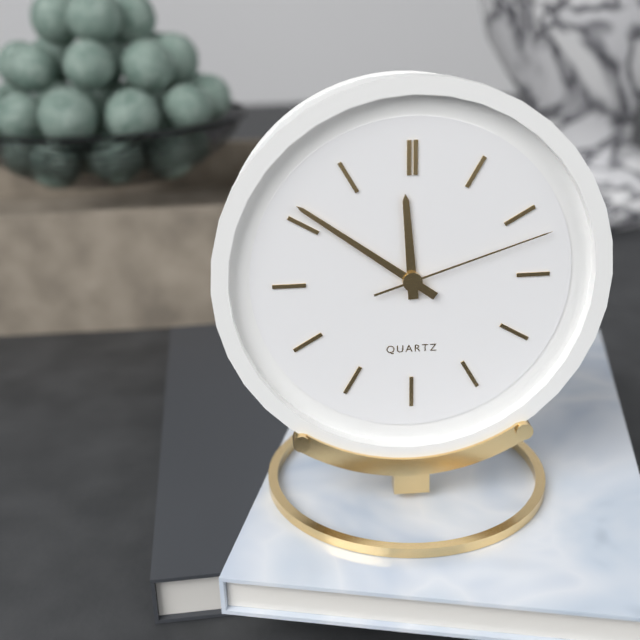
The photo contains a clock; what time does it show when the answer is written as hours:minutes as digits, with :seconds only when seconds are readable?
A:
11:51:12
